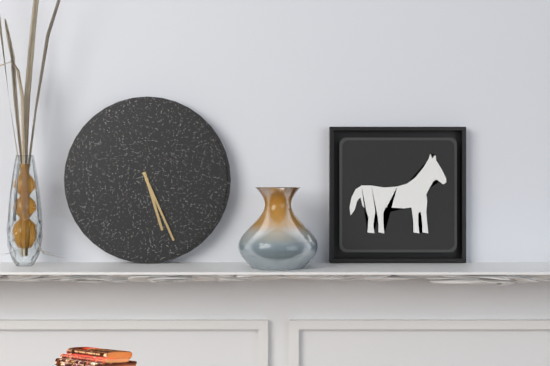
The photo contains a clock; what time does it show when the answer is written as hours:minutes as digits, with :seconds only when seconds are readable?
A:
5:26
